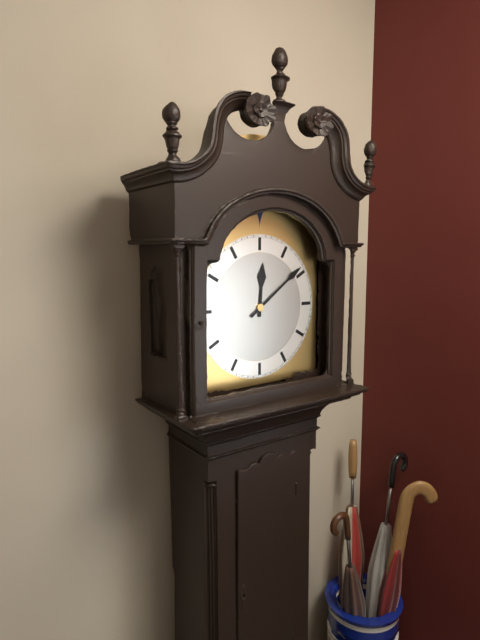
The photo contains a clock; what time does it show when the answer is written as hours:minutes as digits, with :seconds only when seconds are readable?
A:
12:09
